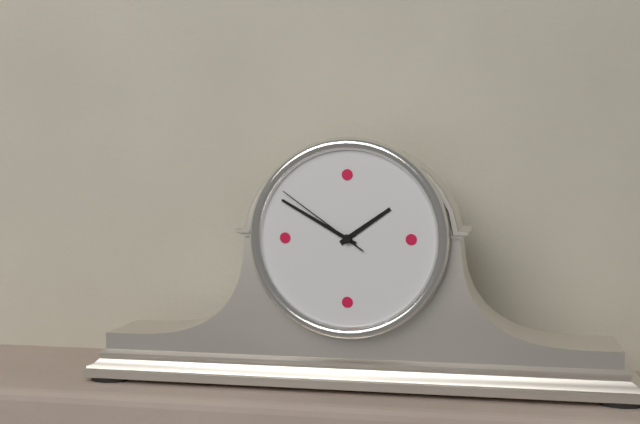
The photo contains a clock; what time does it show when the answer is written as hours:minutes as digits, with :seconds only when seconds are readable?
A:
1:50:51
